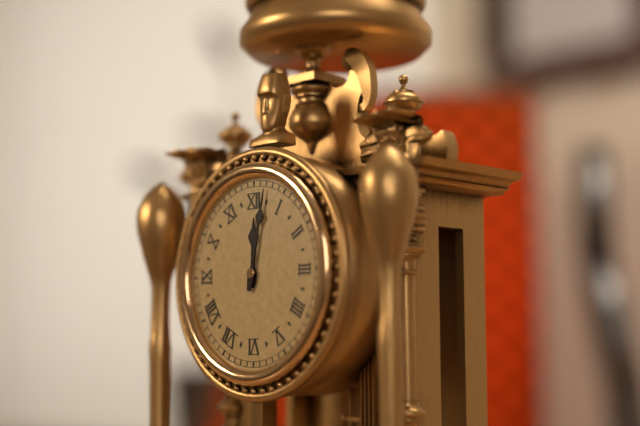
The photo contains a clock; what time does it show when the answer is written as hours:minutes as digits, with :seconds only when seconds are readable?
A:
12:02
